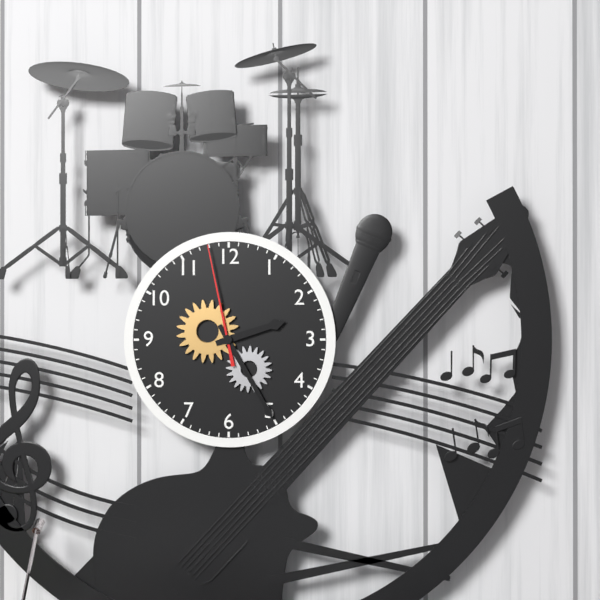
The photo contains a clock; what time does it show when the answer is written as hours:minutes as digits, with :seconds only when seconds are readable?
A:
2:25:58
